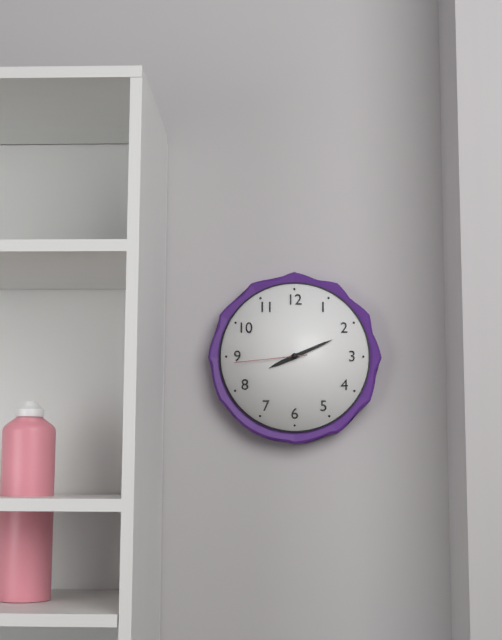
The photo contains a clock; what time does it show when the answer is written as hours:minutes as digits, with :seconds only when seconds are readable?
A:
8:11:44
